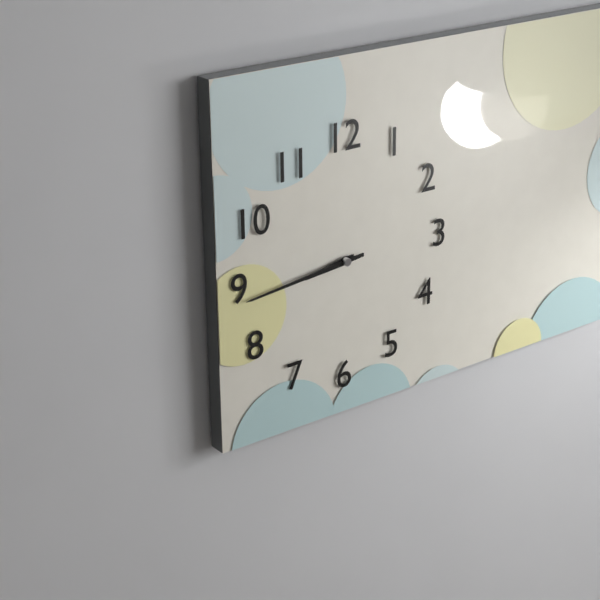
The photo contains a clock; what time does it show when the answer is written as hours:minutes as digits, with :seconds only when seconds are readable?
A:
8:44
